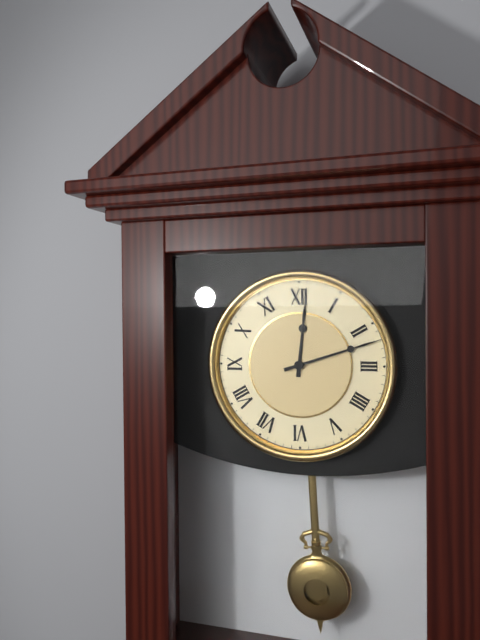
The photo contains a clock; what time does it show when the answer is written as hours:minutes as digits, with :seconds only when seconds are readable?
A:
12:12
